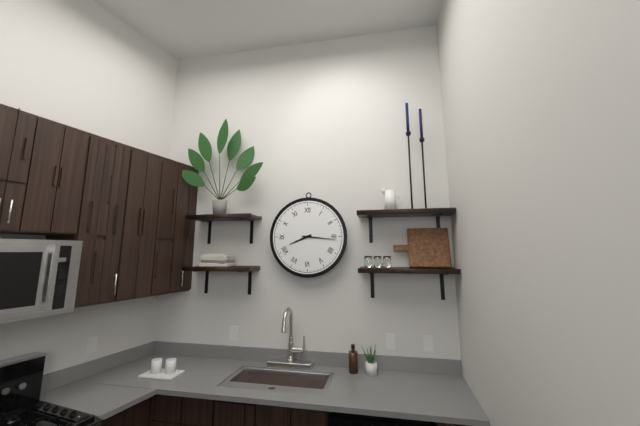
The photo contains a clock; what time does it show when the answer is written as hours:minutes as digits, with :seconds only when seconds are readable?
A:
8:16
